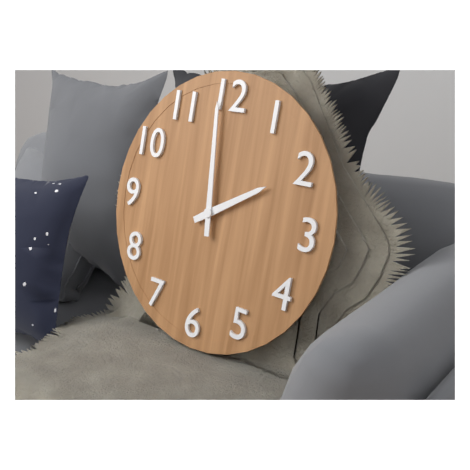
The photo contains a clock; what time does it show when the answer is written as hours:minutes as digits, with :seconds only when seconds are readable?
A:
1:59
